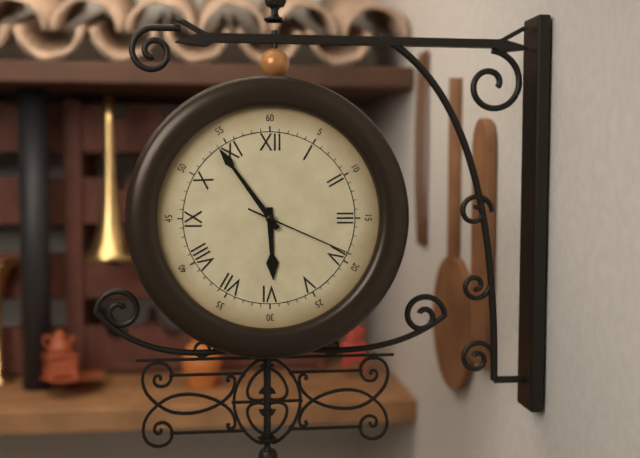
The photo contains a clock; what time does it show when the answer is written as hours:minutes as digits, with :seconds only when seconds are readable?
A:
5:54:19
